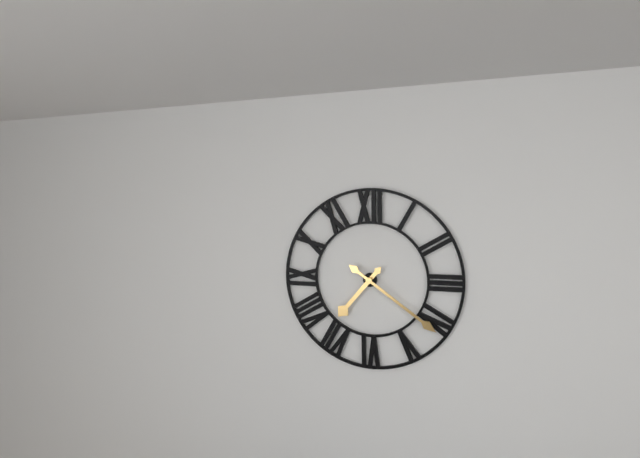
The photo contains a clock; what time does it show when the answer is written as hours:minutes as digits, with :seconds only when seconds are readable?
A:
7:21
